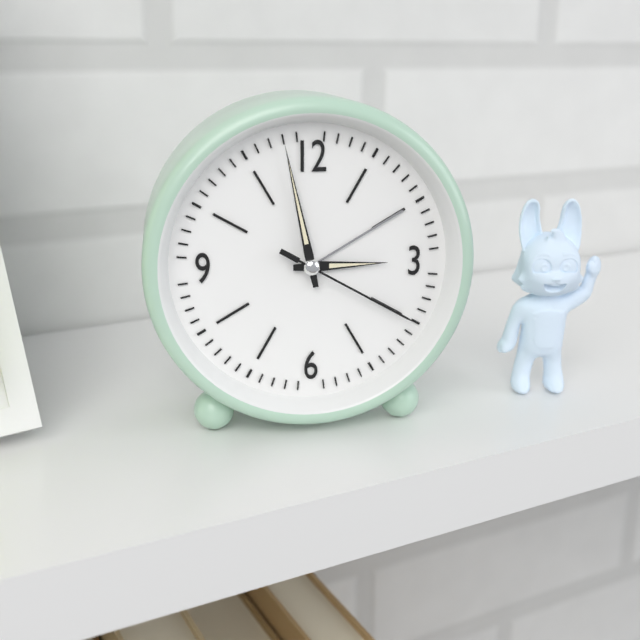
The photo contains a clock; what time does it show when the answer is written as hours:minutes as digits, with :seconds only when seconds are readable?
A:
2:58:20
